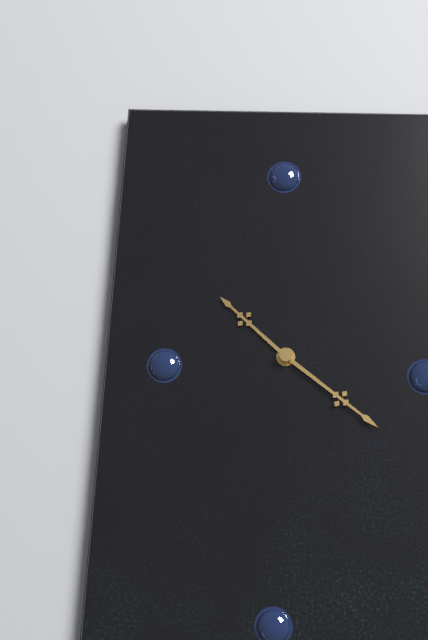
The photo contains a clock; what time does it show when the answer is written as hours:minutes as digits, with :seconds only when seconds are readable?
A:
10:21
